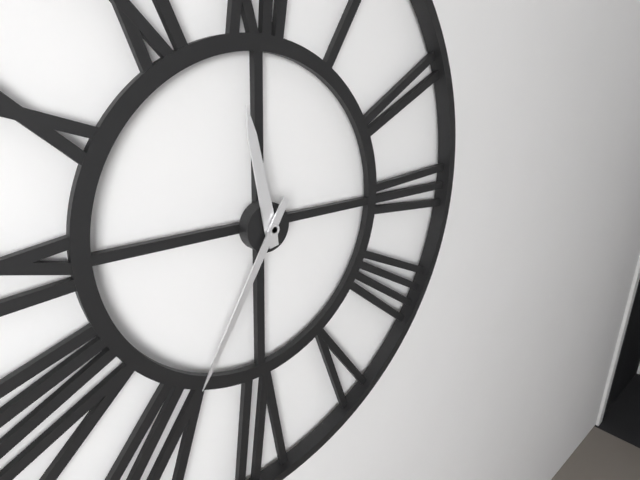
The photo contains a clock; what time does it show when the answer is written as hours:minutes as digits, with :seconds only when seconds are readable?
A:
11:35
